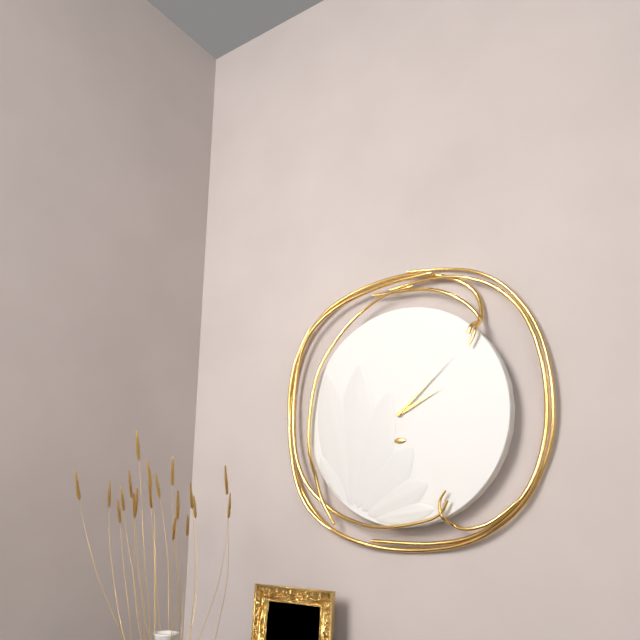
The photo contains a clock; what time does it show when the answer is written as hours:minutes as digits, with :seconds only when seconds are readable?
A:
2:08
